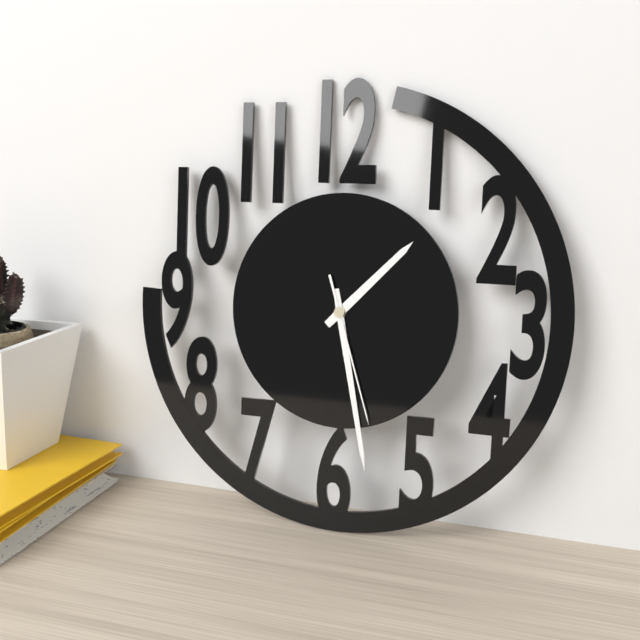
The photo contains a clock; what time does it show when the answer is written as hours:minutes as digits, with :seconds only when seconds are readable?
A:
1:28:27
